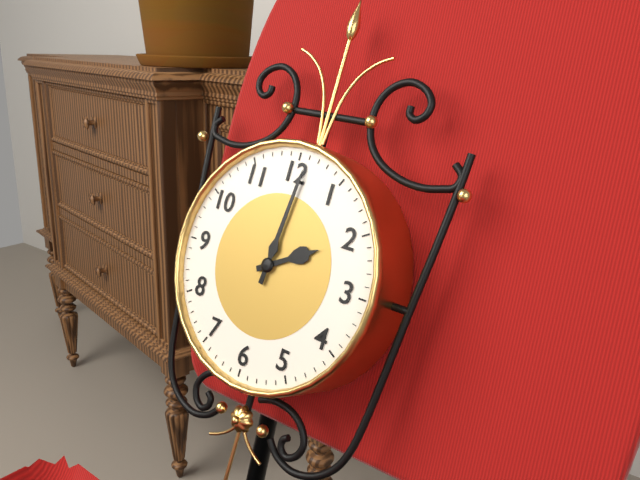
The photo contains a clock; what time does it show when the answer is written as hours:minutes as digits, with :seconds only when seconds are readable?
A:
2:01
